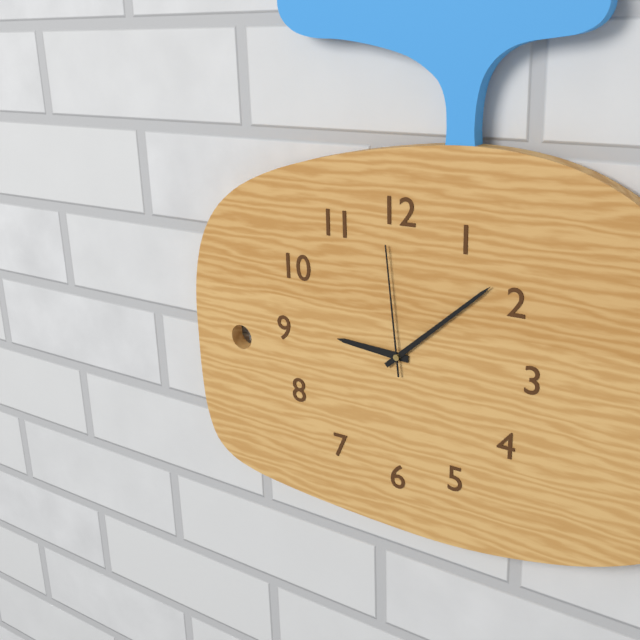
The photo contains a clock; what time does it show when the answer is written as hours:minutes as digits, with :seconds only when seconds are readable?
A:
9:08:59
